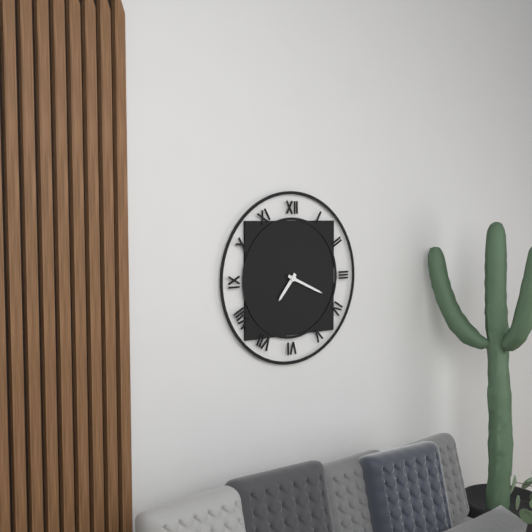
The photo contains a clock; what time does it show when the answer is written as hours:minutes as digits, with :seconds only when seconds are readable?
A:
7:19
